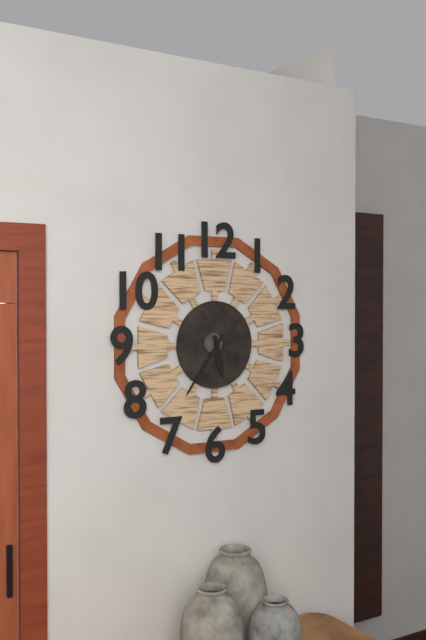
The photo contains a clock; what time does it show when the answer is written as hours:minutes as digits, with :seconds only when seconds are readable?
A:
5:36
